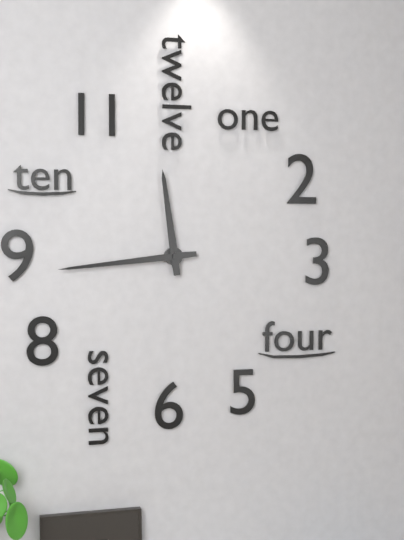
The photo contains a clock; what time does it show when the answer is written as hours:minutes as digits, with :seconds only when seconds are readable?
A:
11:44
